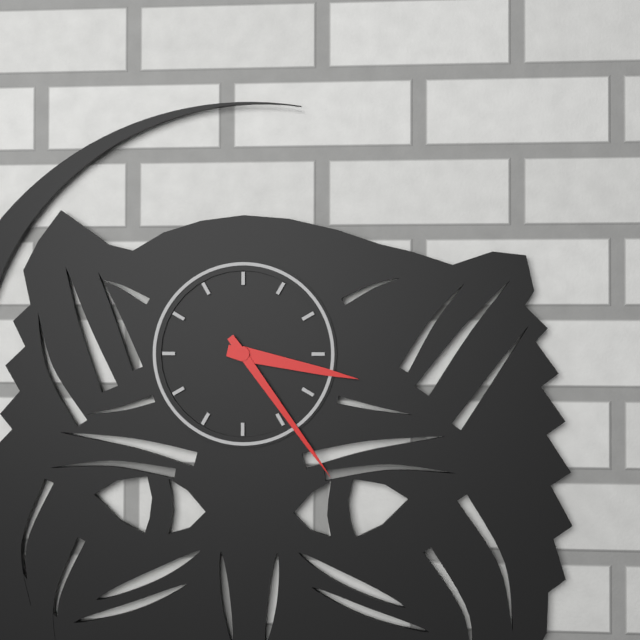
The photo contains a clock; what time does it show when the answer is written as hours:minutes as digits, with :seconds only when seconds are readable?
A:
3:24
